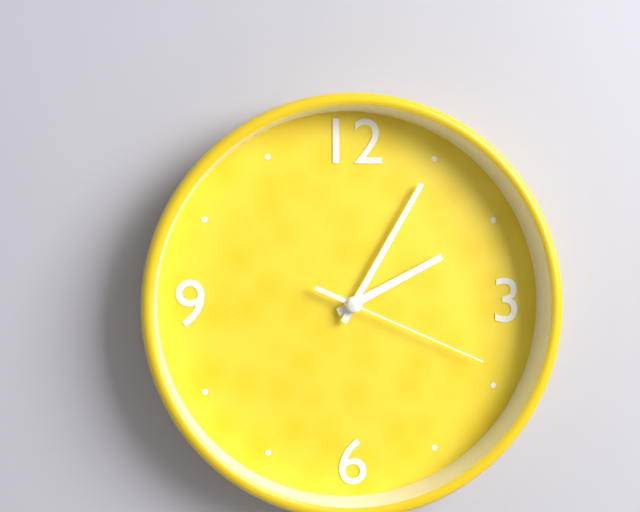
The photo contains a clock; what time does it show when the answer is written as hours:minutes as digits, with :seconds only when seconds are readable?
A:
2:05:19
